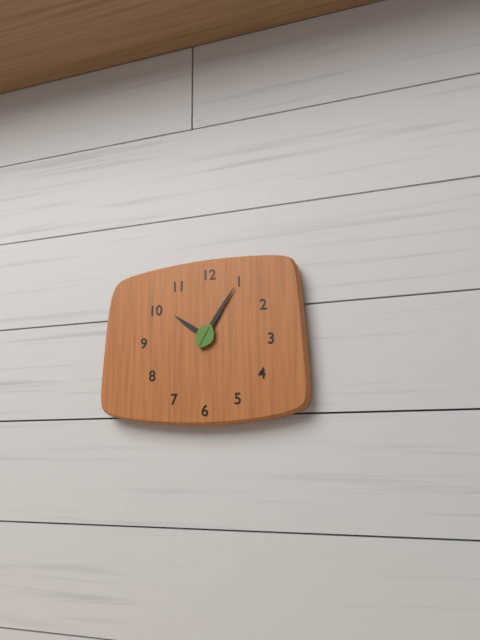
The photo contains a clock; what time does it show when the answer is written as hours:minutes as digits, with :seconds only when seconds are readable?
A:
10:05
